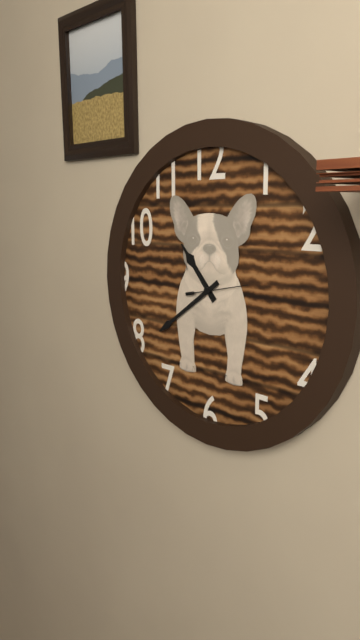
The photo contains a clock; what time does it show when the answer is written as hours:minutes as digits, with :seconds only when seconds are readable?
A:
10:39:13
